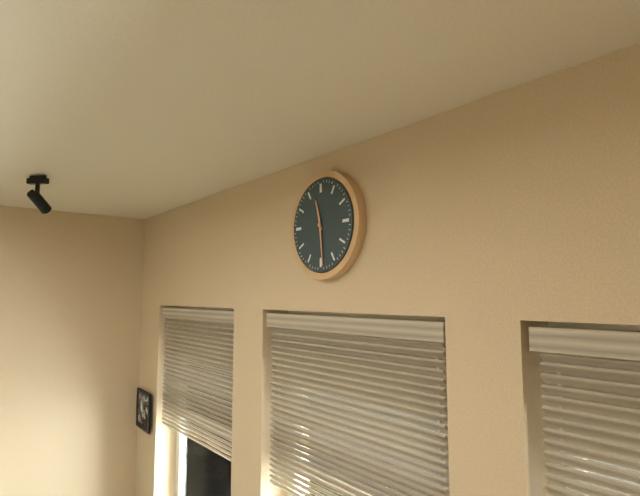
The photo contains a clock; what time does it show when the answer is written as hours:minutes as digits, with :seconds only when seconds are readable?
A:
11:29
